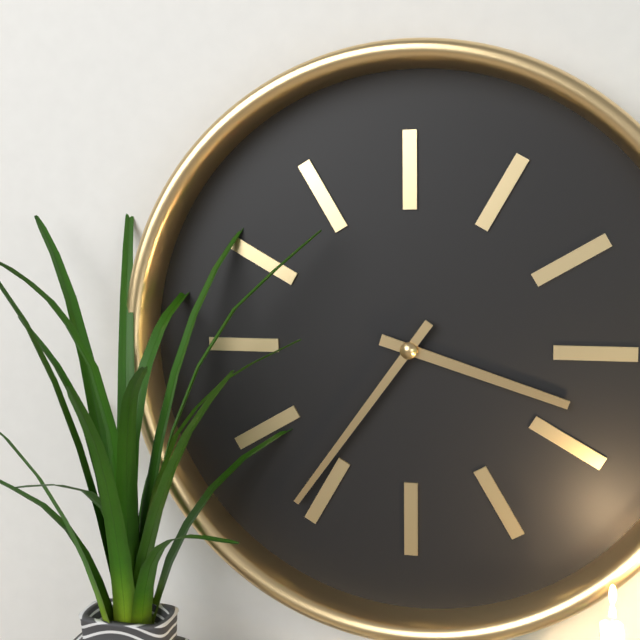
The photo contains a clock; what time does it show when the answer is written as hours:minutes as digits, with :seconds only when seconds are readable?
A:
3:36
